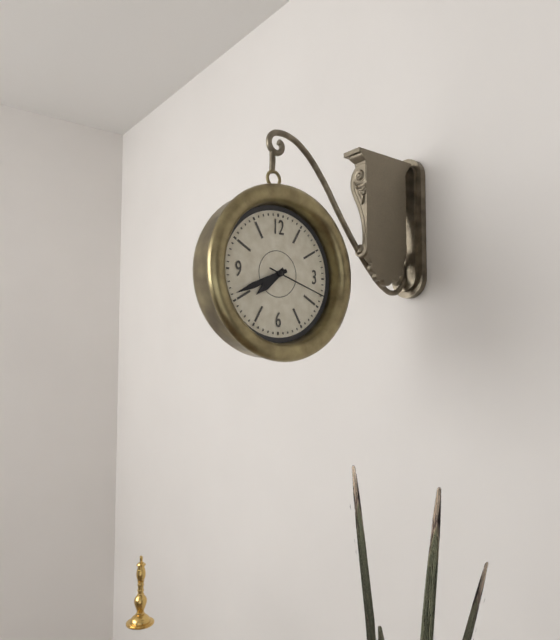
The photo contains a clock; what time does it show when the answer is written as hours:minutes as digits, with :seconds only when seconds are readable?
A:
7:41:18
